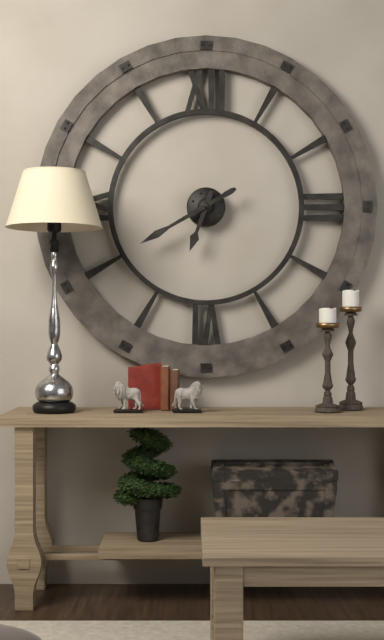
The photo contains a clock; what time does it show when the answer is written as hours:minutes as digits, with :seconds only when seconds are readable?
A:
6:40
